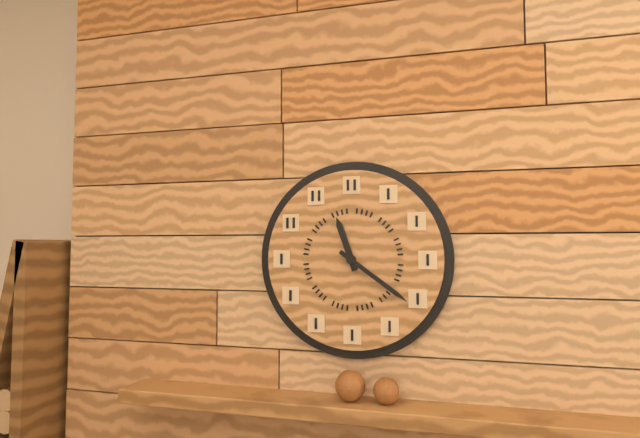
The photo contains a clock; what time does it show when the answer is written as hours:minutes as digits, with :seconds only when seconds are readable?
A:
11:21
